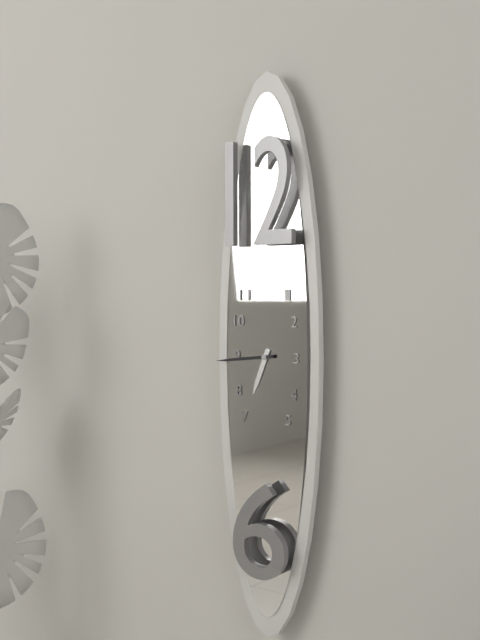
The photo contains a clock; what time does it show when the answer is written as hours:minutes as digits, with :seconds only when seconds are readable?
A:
6:44
